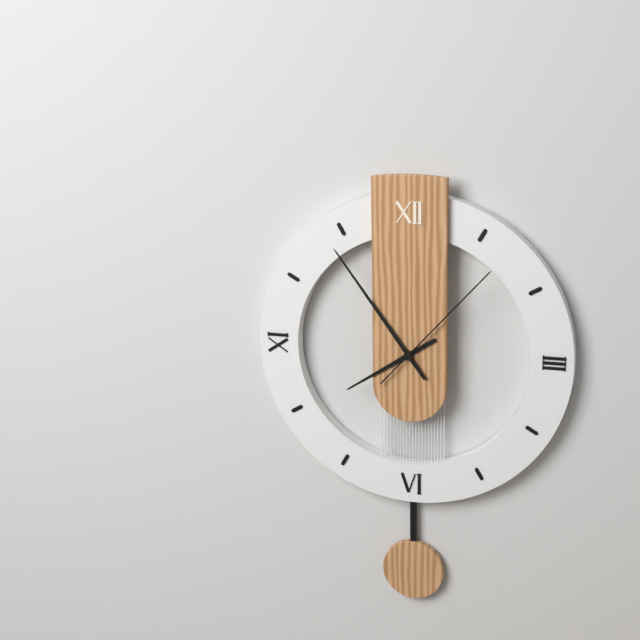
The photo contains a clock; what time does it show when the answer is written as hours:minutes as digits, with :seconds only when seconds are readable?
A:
7:54:07
